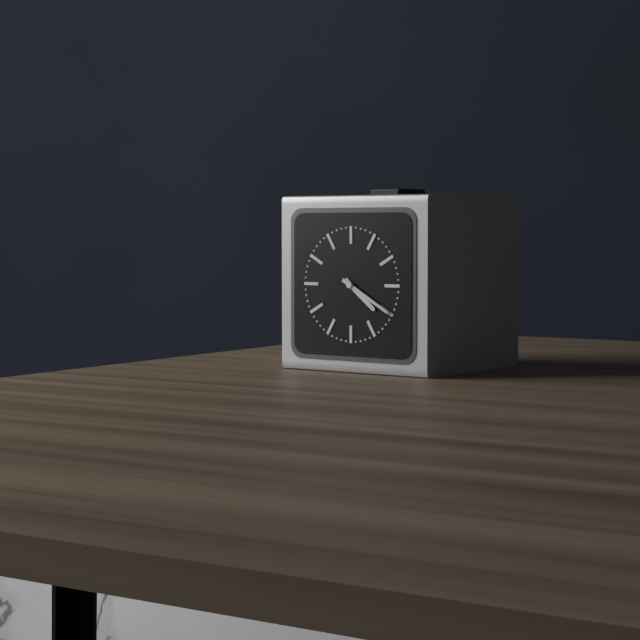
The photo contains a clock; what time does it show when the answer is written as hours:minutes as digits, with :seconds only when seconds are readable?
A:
4:20
